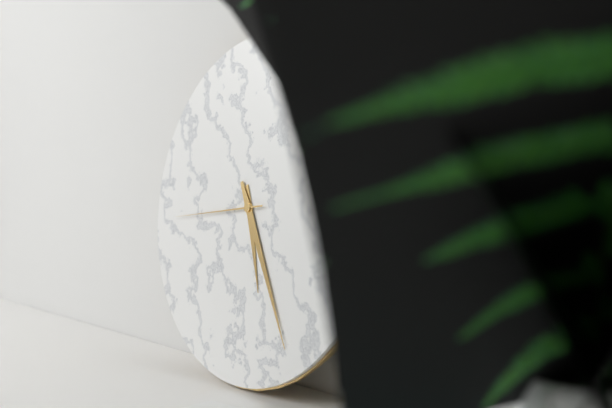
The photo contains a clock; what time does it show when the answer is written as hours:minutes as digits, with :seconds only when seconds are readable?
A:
5:25:44
